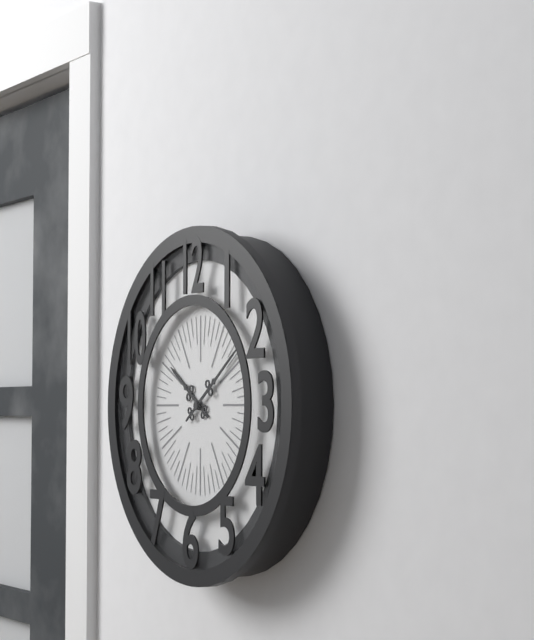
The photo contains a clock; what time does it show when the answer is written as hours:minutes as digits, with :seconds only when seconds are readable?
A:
10:09
